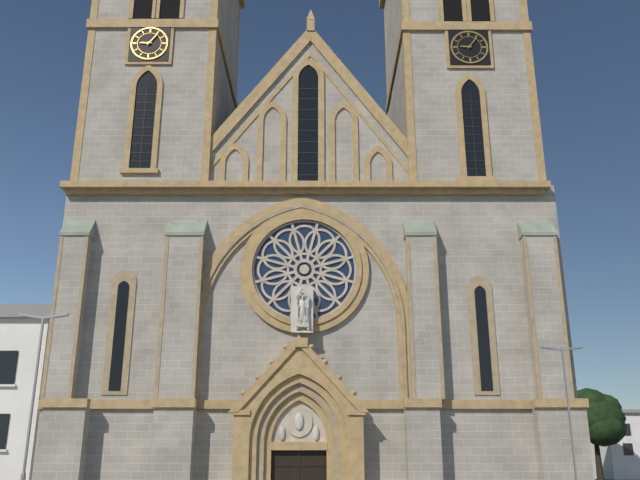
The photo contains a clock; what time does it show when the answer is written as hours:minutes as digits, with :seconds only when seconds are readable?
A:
9:06
